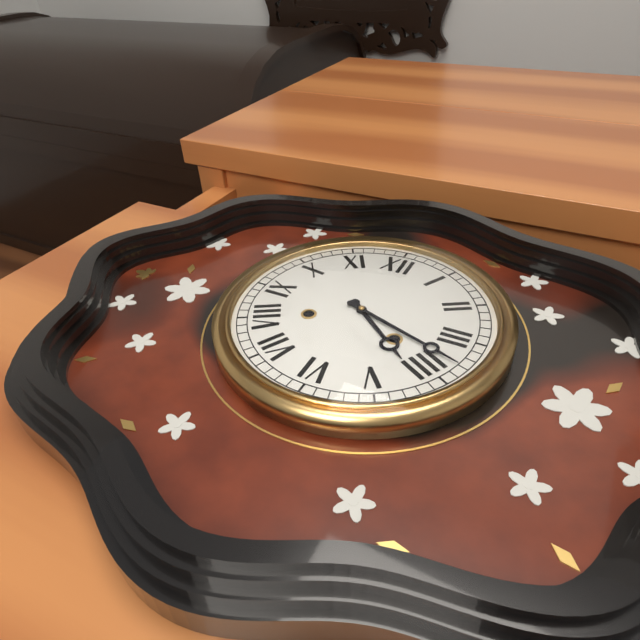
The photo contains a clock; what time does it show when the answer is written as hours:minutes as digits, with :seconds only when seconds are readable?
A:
4:18
